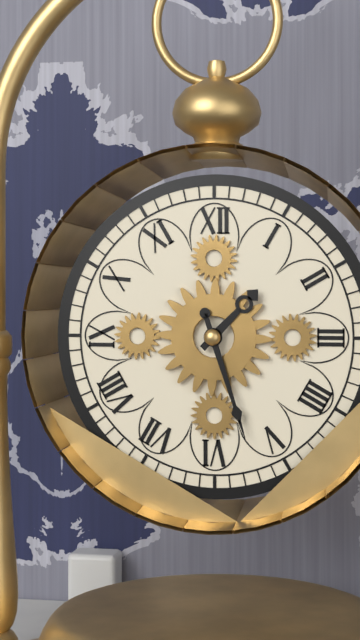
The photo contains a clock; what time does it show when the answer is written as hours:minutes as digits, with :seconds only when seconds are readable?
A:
1:27
